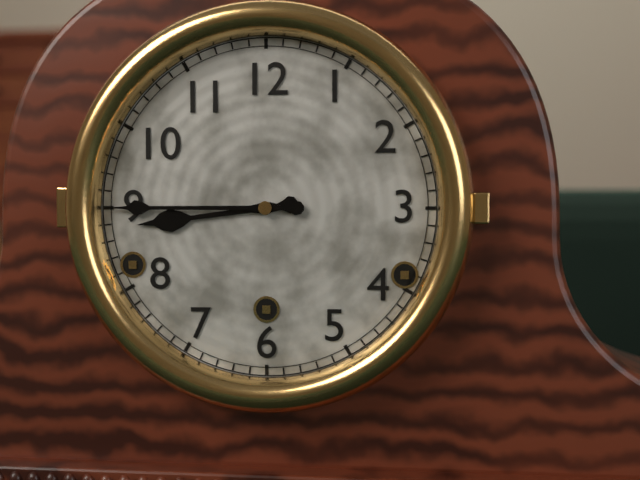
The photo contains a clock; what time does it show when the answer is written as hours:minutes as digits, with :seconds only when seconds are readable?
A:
8:45
